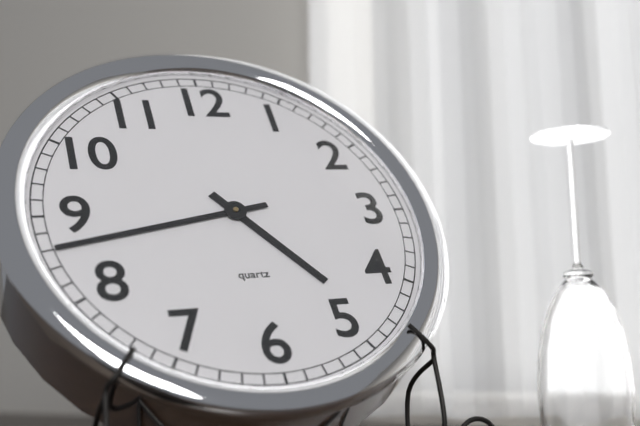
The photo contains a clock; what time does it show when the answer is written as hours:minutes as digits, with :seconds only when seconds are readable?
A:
4:43
